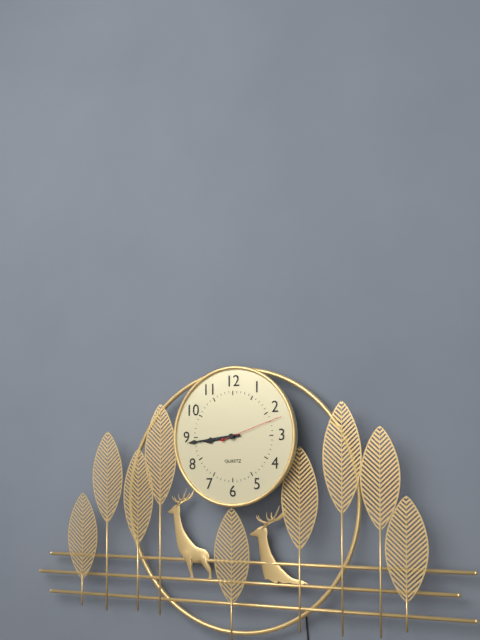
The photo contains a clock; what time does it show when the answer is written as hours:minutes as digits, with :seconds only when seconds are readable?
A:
8:44:12
